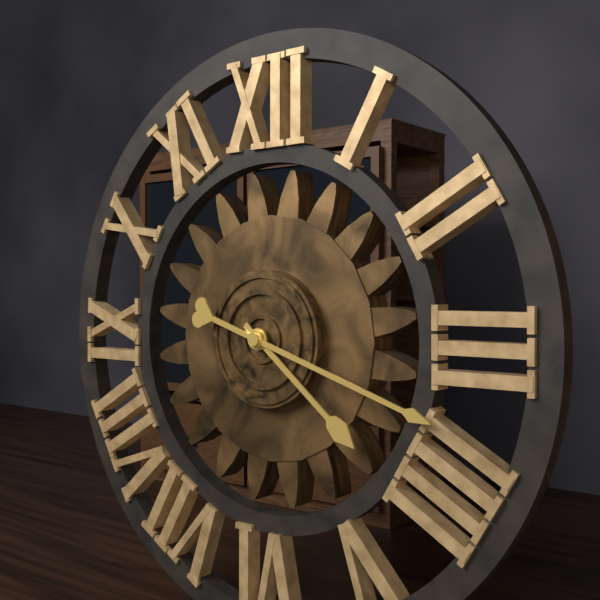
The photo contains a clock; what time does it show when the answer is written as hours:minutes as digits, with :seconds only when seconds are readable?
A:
4:18
